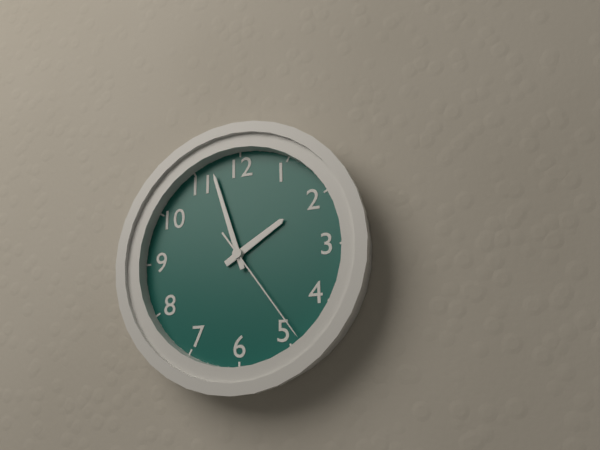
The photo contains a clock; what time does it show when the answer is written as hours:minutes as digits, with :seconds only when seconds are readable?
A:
1:57:24
